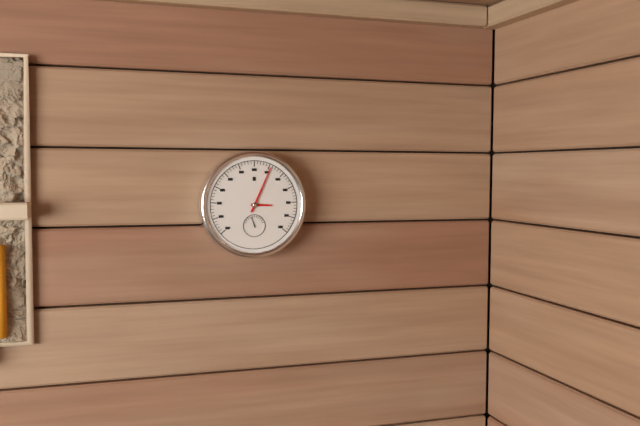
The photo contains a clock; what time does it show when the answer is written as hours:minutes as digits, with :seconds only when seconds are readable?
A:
3:04
